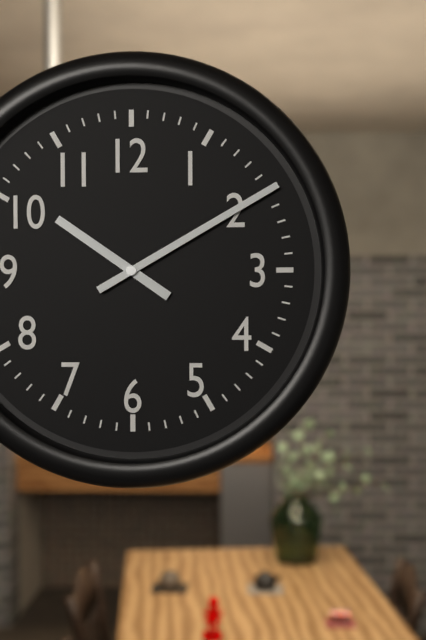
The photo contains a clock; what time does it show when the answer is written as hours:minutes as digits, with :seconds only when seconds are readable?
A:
10:10
